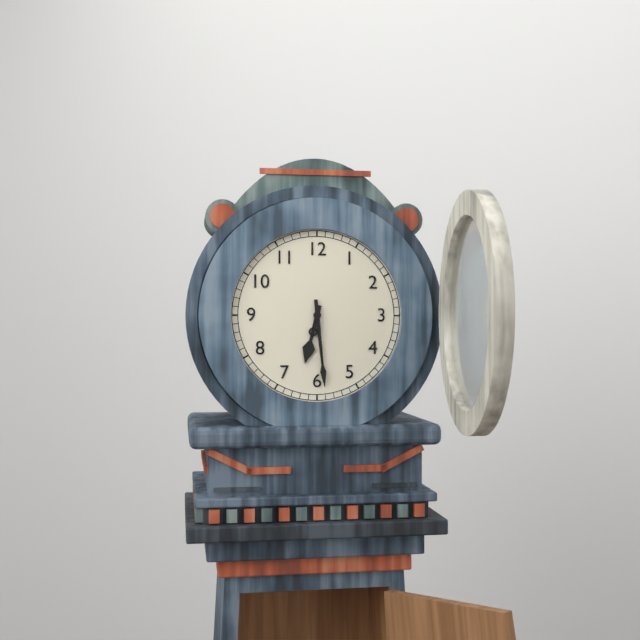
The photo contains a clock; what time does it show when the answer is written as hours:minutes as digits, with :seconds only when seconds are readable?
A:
6:29
